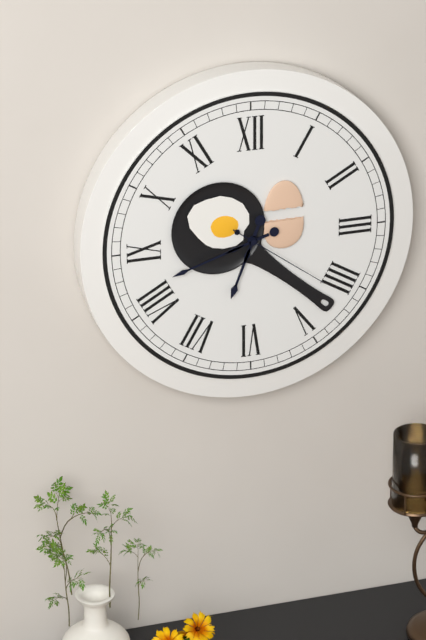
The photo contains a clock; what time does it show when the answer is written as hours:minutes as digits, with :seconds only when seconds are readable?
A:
6:42:21
